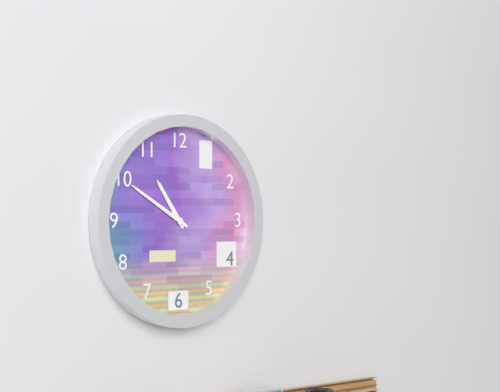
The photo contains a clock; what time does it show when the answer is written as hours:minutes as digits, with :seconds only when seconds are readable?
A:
10:50
